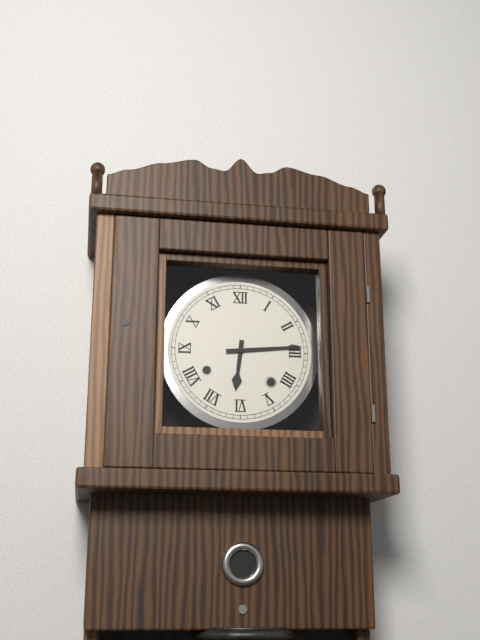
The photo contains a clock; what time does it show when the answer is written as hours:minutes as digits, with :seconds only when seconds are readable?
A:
6:14
